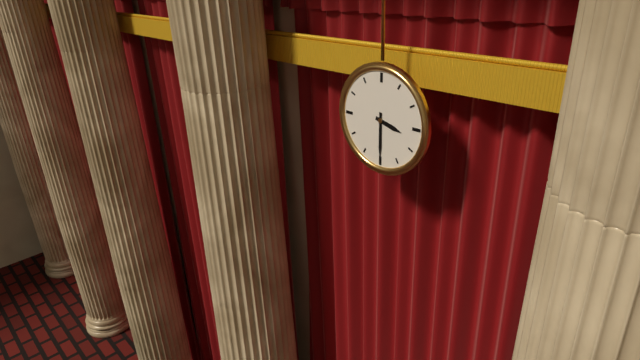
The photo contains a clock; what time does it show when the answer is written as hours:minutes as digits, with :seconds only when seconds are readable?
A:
3:30
